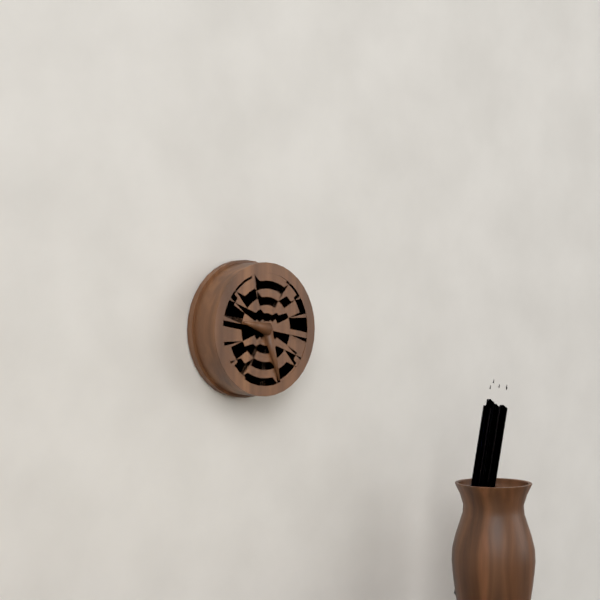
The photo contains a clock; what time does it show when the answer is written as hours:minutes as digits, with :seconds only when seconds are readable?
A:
9:27
